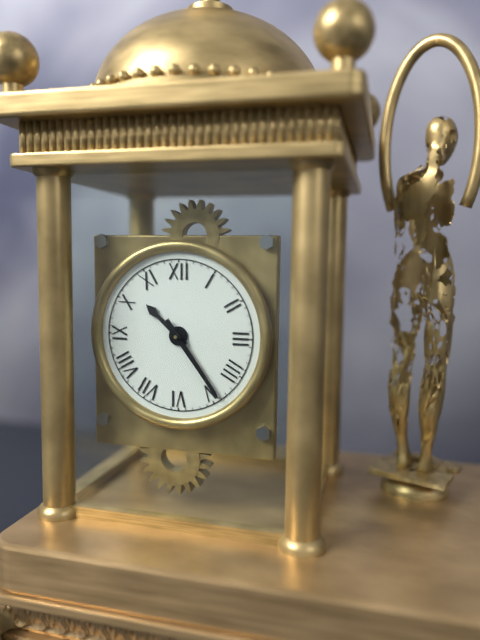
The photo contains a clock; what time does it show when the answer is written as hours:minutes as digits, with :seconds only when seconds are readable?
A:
10:24
